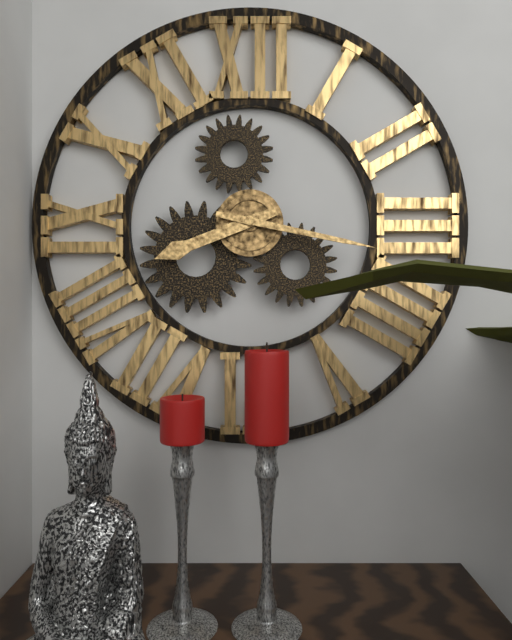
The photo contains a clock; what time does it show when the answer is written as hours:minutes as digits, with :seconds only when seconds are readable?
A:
8:17
